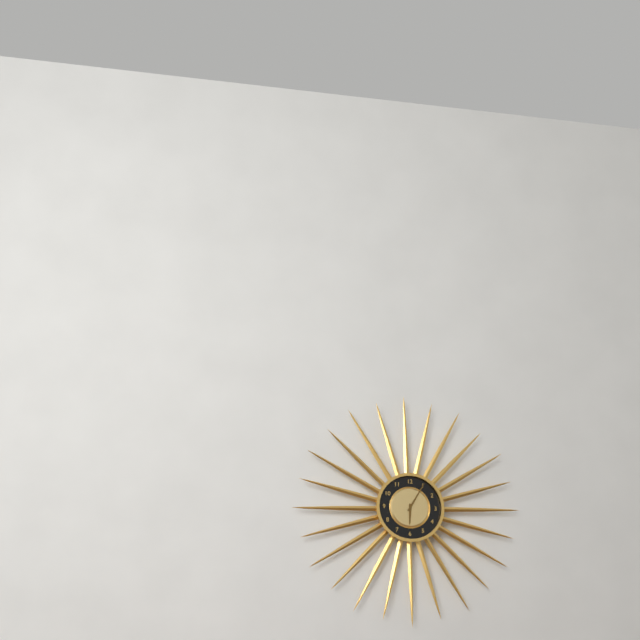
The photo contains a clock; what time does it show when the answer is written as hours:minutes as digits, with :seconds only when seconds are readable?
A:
6:05
